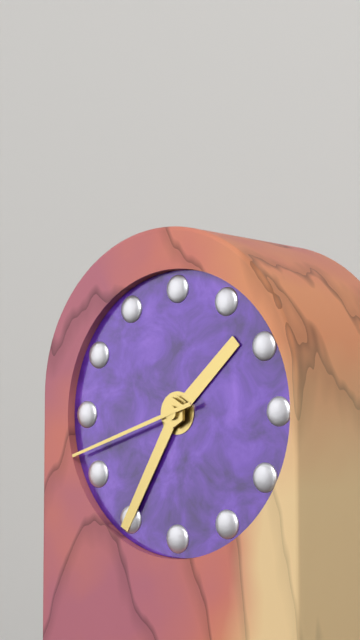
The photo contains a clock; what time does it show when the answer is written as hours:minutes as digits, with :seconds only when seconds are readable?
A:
1:35:42
